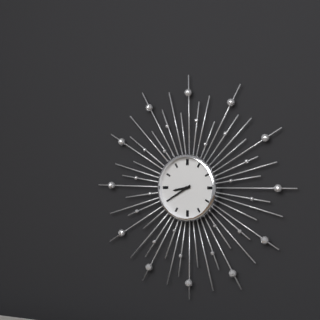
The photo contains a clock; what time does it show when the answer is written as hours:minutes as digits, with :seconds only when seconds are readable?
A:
8:40
